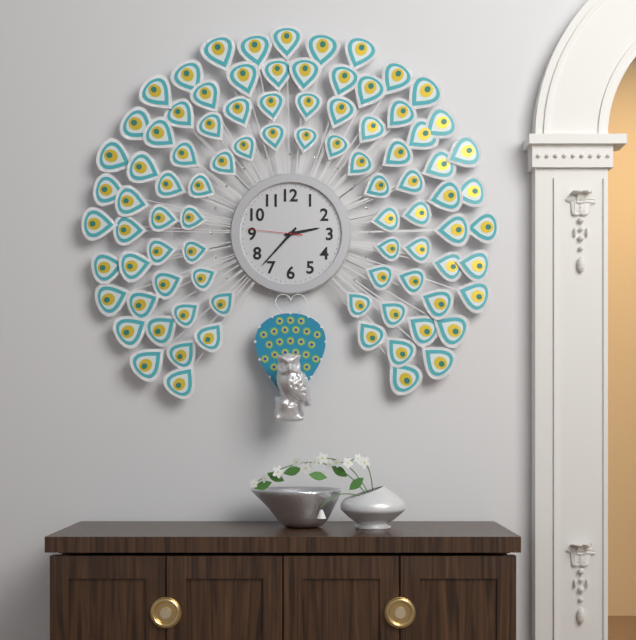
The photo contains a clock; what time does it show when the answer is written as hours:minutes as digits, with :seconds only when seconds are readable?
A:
2:37:46
